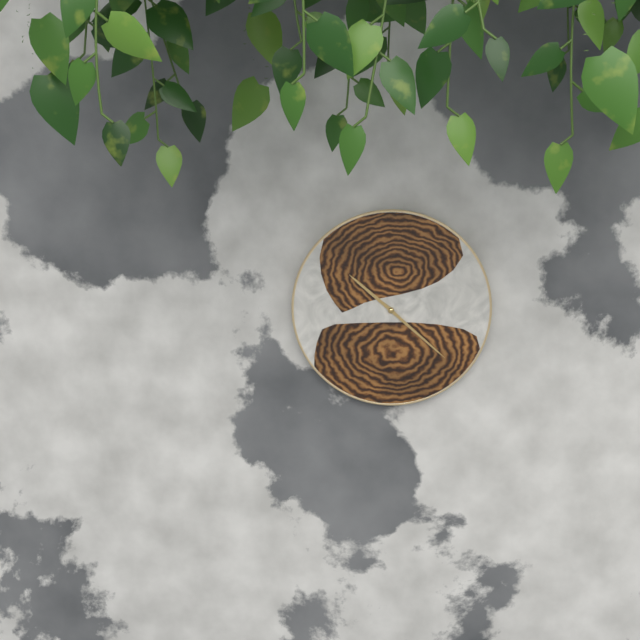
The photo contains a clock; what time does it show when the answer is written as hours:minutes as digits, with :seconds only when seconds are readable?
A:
10:22
